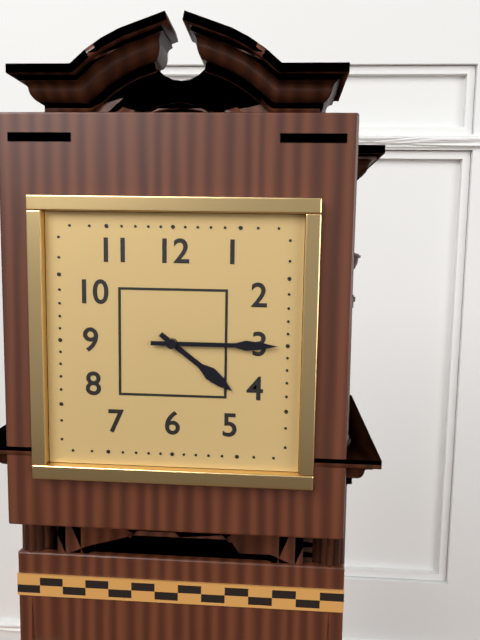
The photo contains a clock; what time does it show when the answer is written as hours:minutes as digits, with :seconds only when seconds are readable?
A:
4:15
